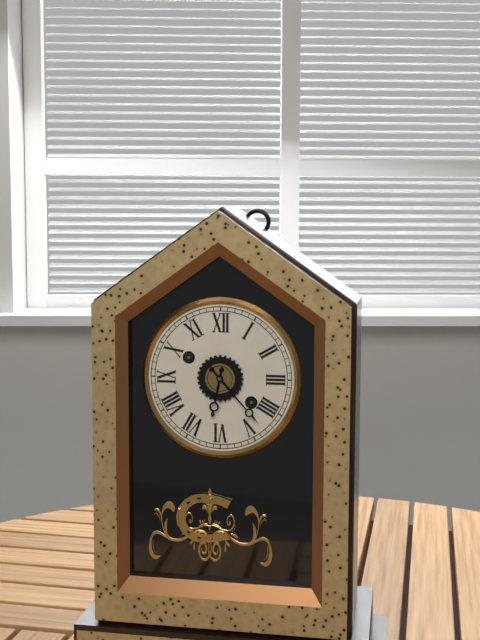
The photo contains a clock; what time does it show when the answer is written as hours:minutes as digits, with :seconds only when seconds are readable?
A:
6:23
